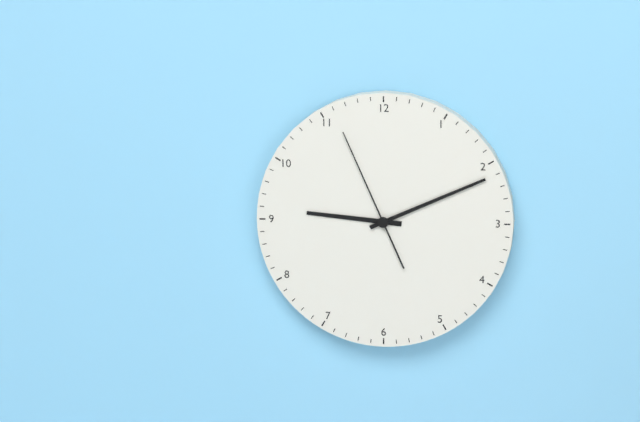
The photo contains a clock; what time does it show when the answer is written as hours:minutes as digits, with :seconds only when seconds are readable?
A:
9:11:56
